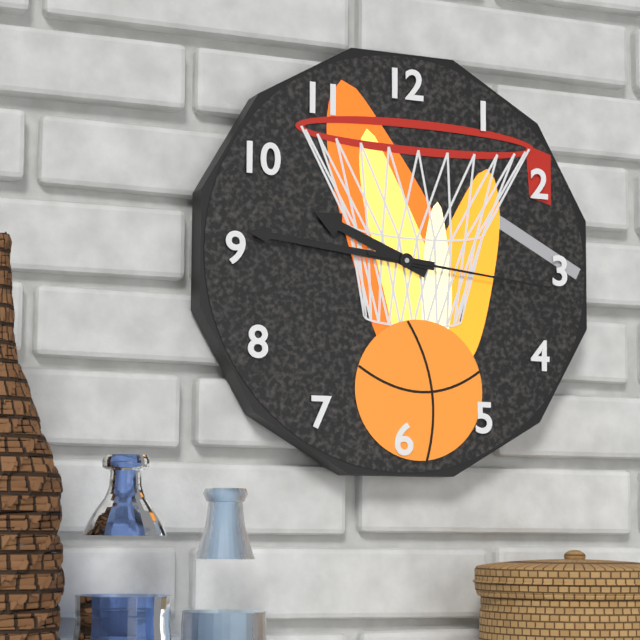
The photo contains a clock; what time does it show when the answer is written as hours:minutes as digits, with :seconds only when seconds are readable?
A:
9:46:16
